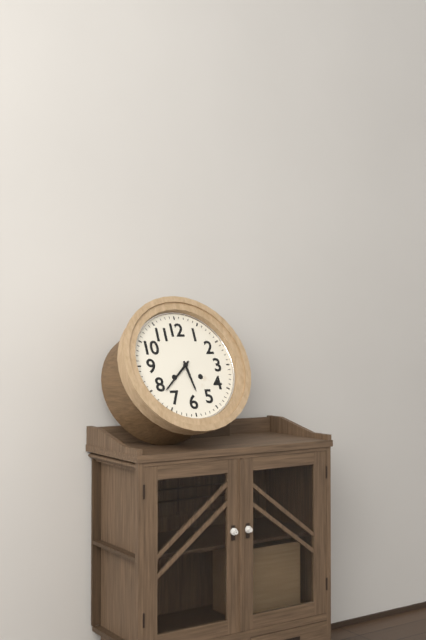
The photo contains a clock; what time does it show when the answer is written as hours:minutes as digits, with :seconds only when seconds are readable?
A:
5:38
